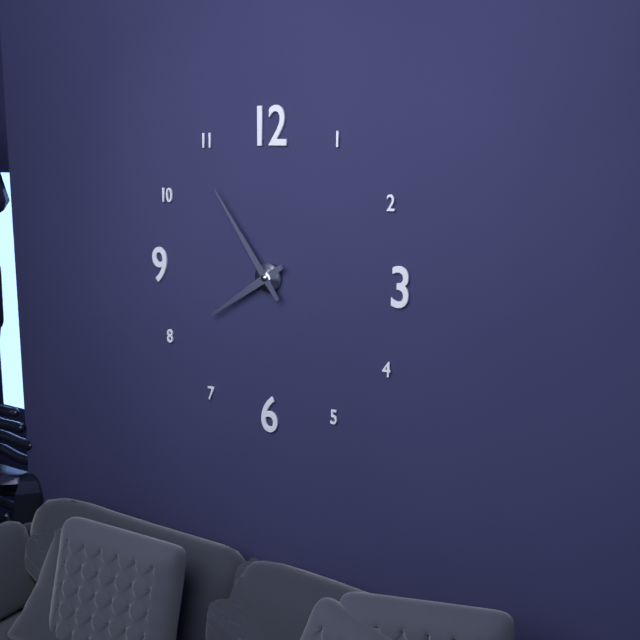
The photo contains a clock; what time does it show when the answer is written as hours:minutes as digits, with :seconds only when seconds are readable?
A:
7:54
